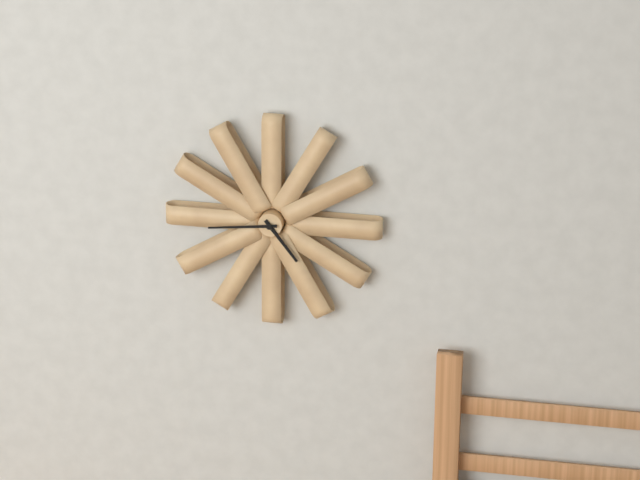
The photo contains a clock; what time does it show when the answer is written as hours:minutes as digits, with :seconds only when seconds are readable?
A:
4:44
